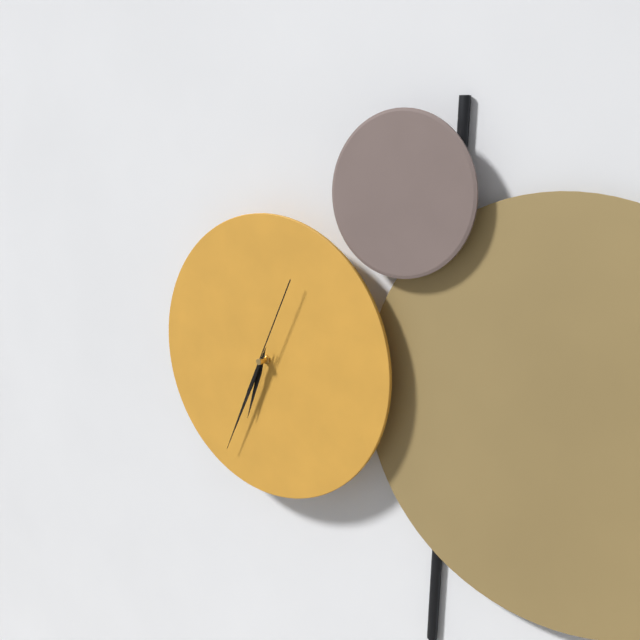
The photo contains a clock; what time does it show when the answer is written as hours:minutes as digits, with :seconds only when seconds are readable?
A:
6:34:04
